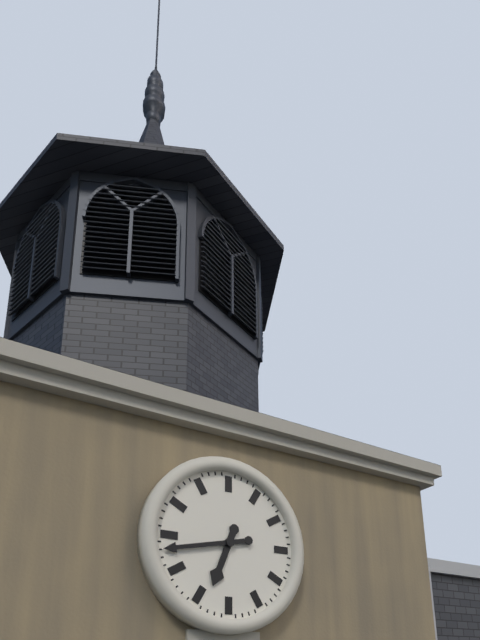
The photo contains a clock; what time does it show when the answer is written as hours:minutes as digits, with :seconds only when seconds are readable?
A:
6:43
